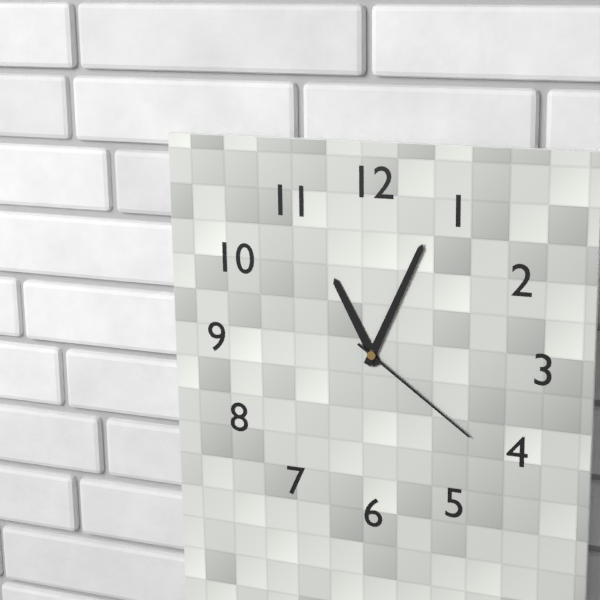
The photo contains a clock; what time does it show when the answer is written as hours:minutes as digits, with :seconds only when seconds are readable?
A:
11:04:21
